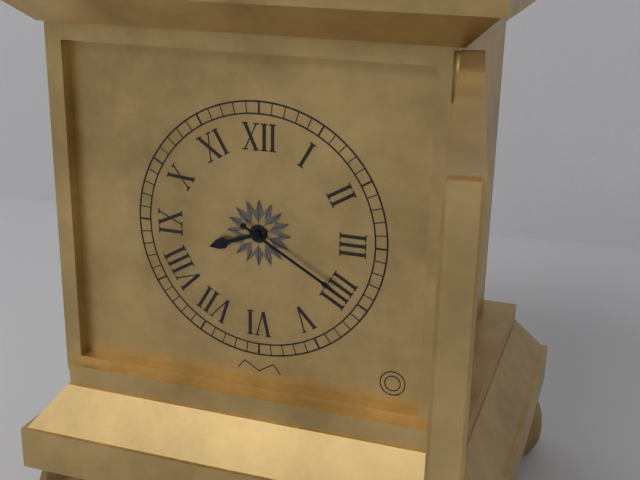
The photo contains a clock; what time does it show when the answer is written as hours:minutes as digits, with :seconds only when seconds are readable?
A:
8:20
